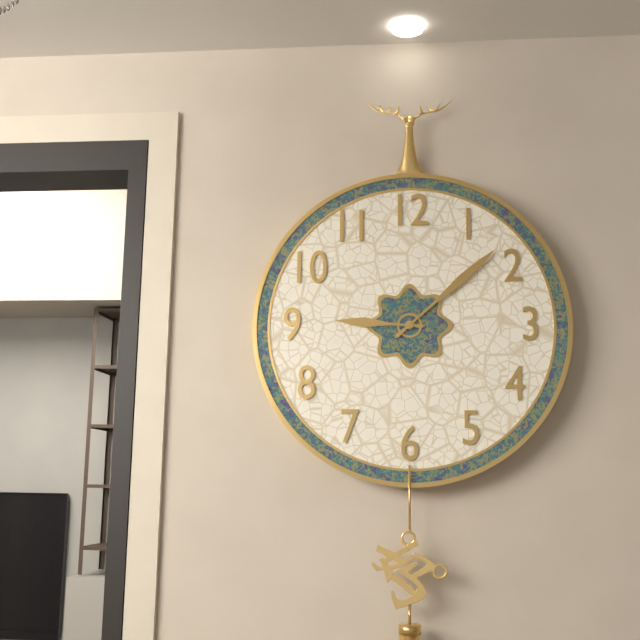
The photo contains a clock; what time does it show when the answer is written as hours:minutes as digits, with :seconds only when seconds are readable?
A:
9:08
